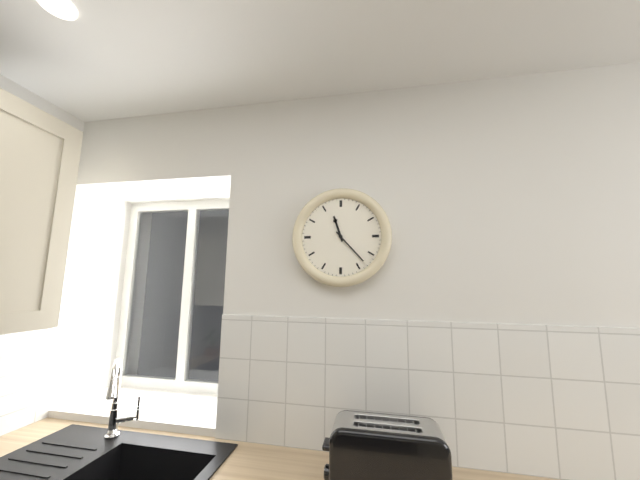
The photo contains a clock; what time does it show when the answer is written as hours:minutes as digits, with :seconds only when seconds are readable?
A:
11:23
